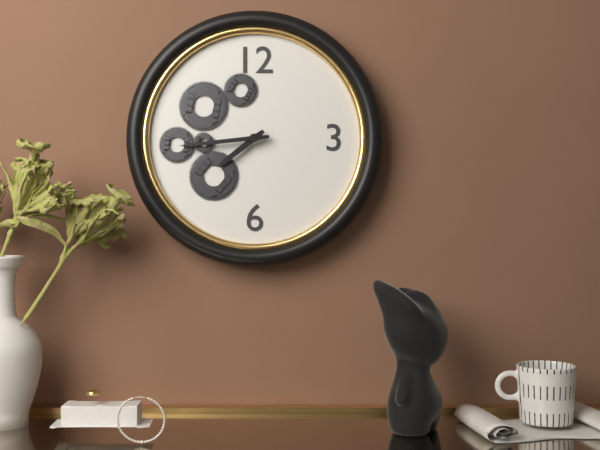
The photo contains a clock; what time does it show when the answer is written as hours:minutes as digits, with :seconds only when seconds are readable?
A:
7:44
